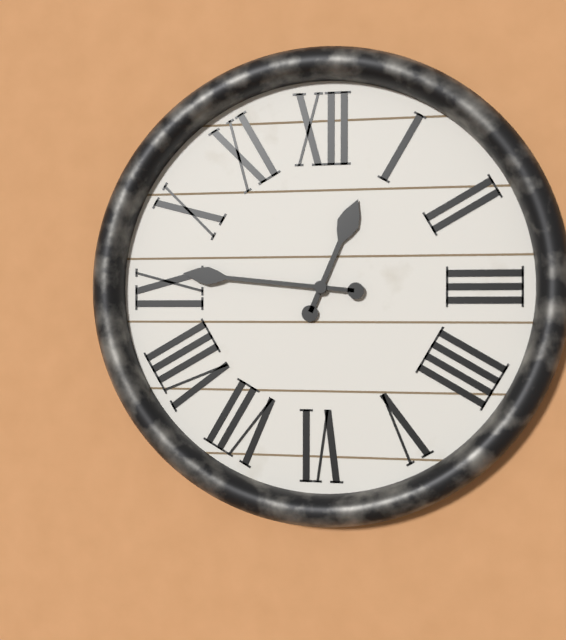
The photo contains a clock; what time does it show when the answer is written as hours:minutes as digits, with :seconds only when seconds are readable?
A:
12:46
